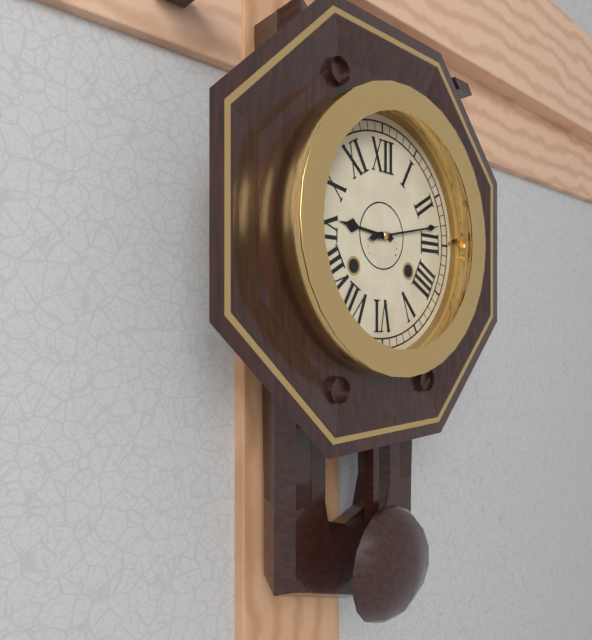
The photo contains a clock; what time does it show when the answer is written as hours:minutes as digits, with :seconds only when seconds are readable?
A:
9:13
